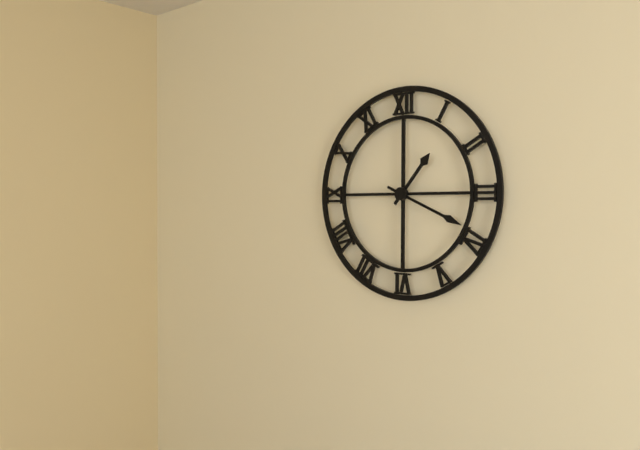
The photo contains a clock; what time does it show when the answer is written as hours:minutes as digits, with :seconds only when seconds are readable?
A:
1:19
